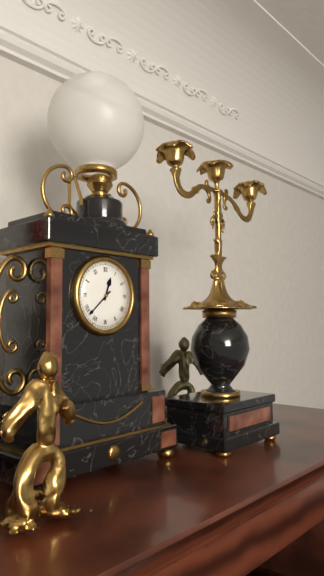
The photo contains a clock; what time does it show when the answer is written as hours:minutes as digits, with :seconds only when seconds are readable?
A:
12:38
